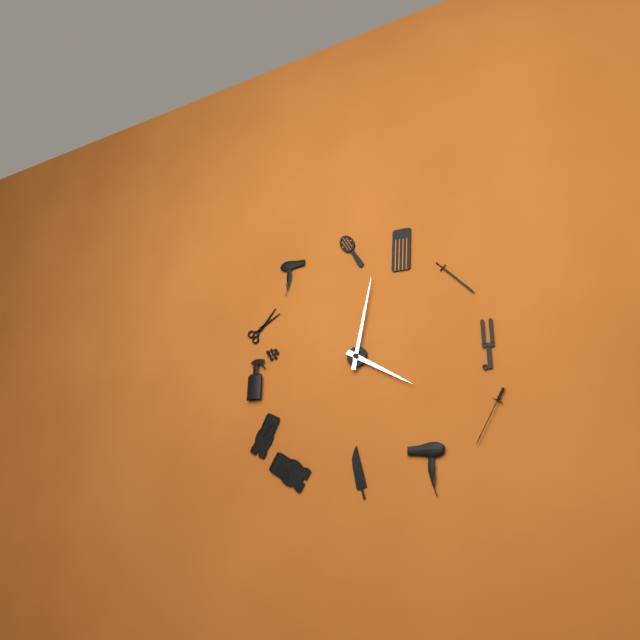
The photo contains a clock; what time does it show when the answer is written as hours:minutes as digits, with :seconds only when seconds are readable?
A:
4:02
